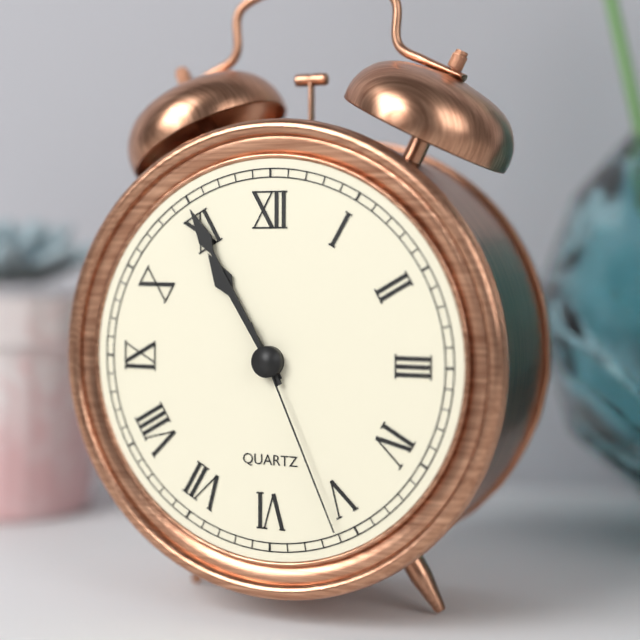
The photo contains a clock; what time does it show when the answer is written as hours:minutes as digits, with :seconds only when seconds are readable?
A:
10:55:26
